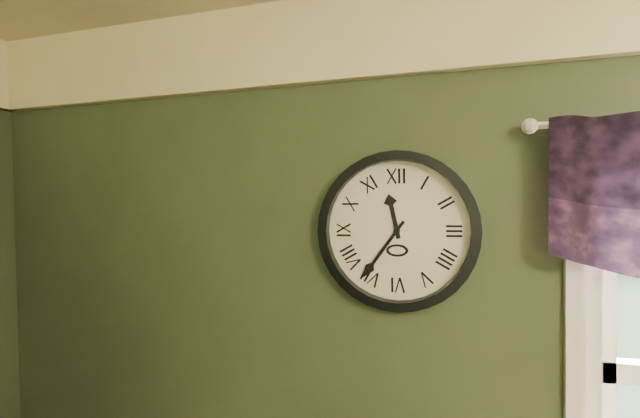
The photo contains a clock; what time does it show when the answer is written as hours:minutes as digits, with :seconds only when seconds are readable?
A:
11:36
